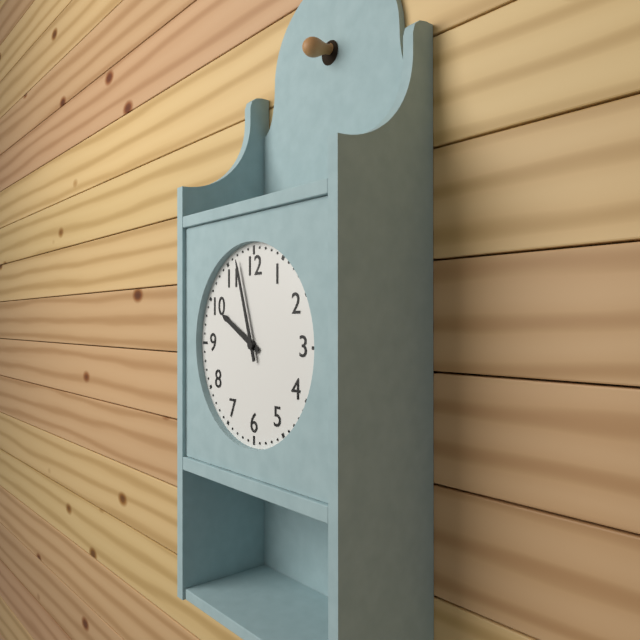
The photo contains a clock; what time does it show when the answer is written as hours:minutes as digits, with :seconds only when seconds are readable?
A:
9:57
